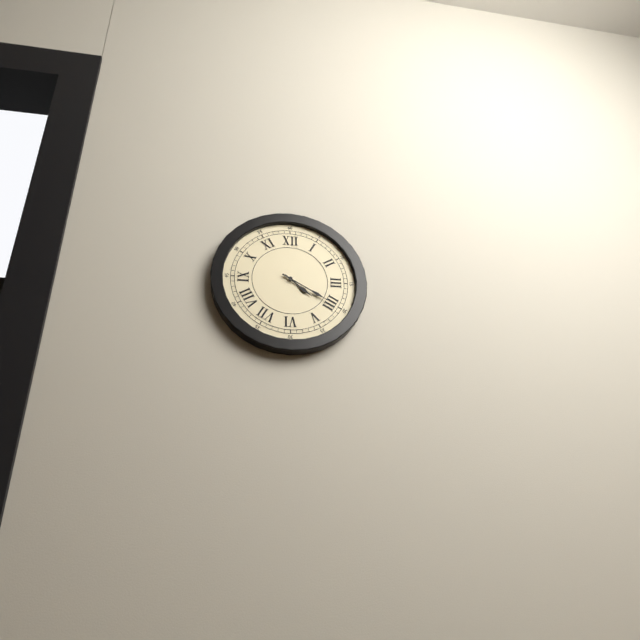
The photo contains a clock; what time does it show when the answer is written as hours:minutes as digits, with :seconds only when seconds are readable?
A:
4:20
